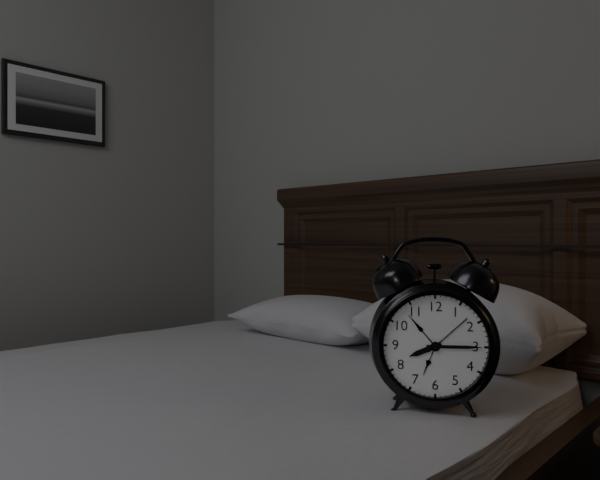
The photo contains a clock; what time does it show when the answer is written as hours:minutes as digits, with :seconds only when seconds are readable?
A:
8:15
